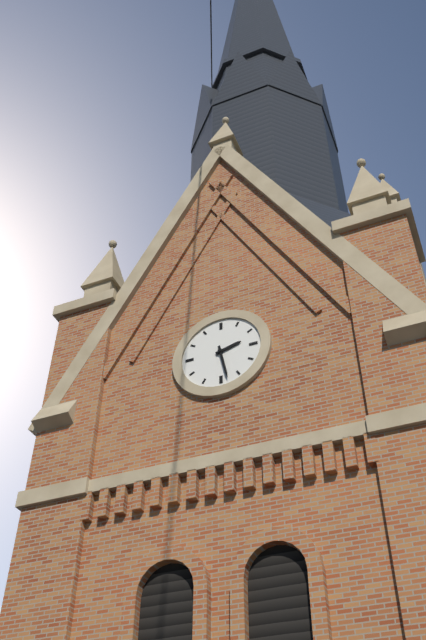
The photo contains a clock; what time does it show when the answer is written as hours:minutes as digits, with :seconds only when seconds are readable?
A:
2:28
